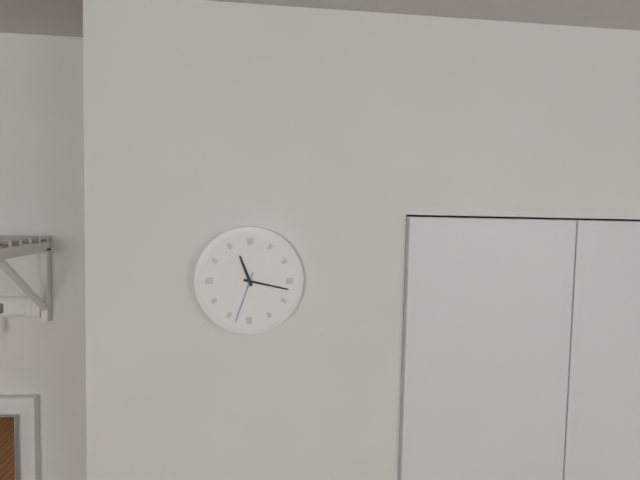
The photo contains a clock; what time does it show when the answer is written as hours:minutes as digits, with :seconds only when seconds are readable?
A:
11:17:33
